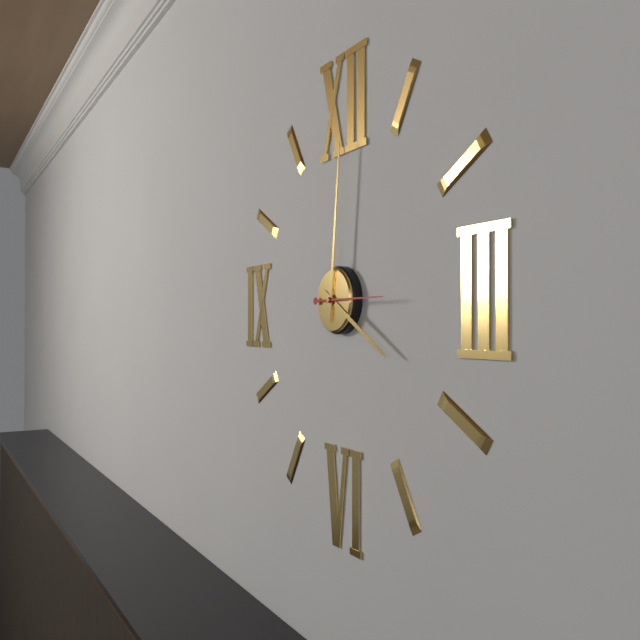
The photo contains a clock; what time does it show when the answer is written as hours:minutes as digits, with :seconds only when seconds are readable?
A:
4:01:15
